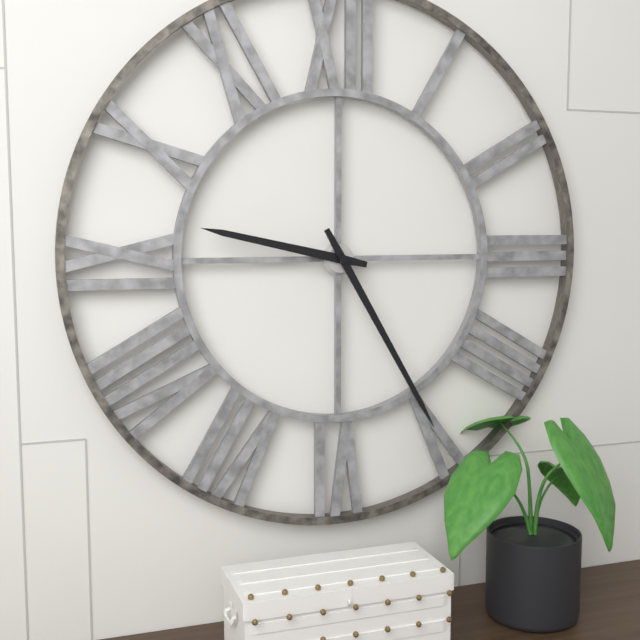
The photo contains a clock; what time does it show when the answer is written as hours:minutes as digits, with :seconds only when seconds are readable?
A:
9:25
